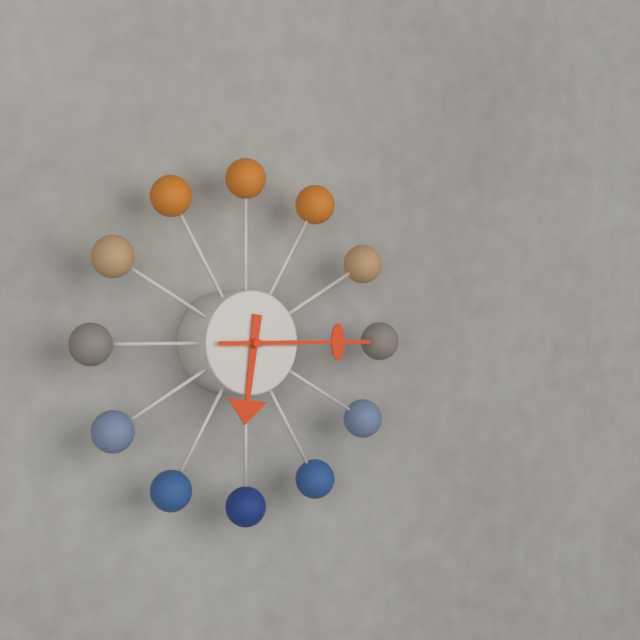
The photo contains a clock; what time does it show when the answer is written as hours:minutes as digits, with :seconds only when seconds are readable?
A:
6:15
